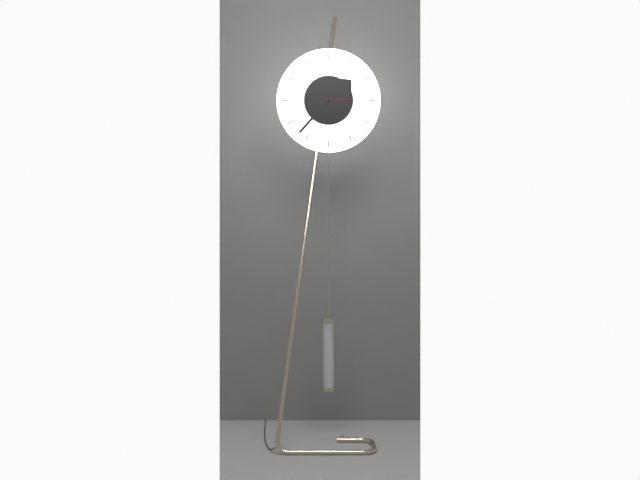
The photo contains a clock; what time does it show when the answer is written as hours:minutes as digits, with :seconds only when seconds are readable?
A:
1:37
